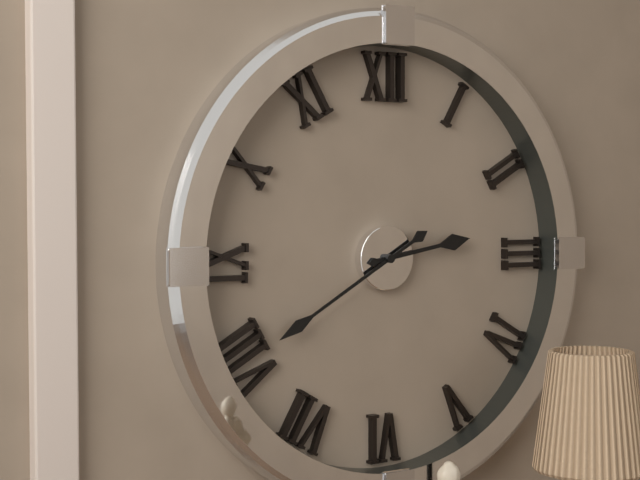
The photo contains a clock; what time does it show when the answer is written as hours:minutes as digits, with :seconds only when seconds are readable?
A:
2:40
